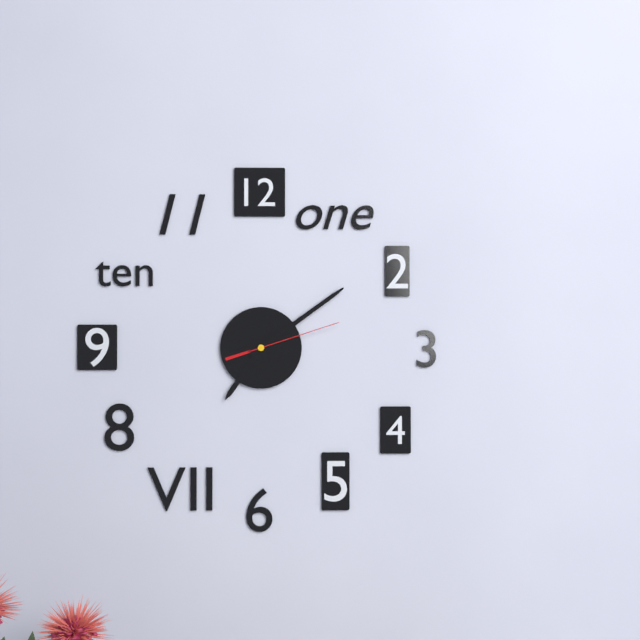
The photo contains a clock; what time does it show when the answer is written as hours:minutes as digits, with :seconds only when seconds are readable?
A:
7:09:12
